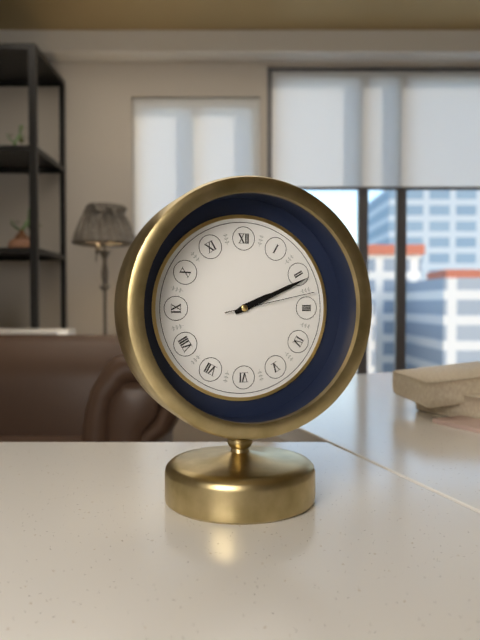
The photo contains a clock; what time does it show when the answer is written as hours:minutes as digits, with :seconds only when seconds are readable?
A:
2:11:13
